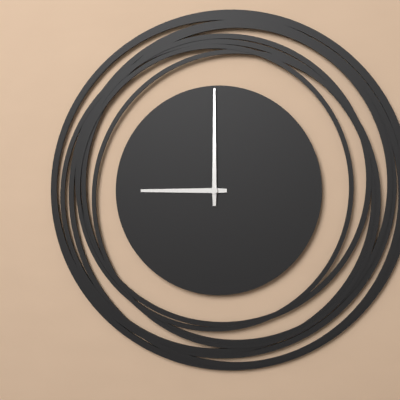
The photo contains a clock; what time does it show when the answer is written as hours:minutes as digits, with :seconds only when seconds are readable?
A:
9:00
